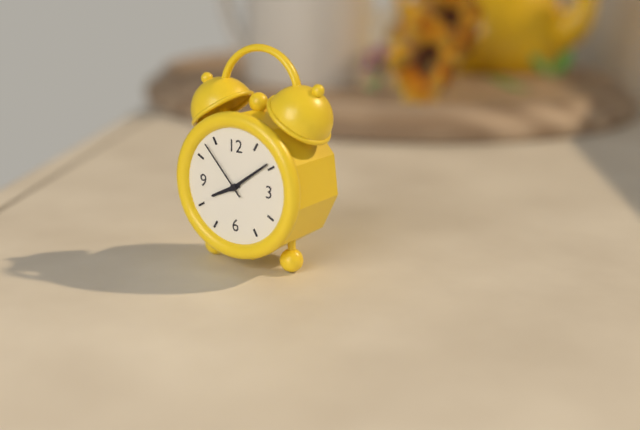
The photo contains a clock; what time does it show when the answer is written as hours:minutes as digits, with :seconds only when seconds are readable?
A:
8:09:53
